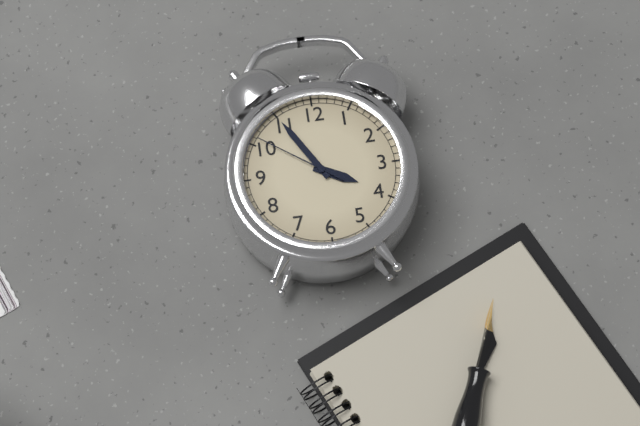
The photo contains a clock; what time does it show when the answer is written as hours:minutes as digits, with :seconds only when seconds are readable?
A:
3:55:51
